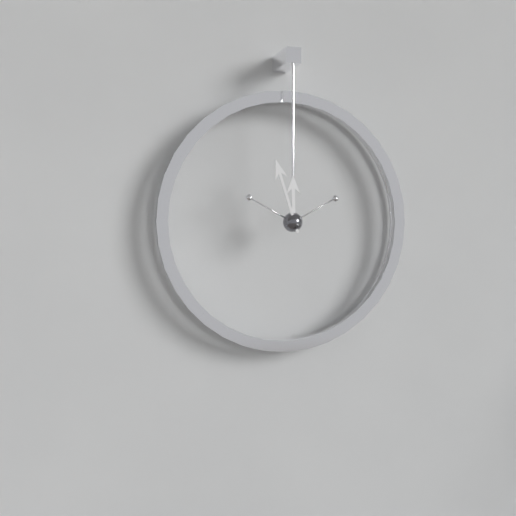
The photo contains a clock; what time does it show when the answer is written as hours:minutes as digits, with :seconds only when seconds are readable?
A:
11:57
